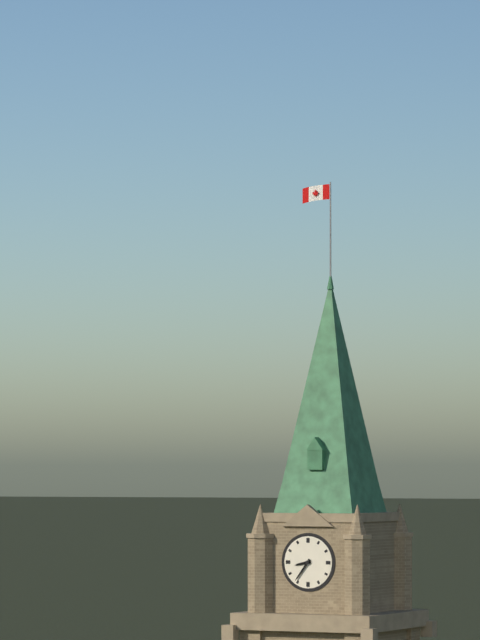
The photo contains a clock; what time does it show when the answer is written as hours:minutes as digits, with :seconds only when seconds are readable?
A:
8:36
